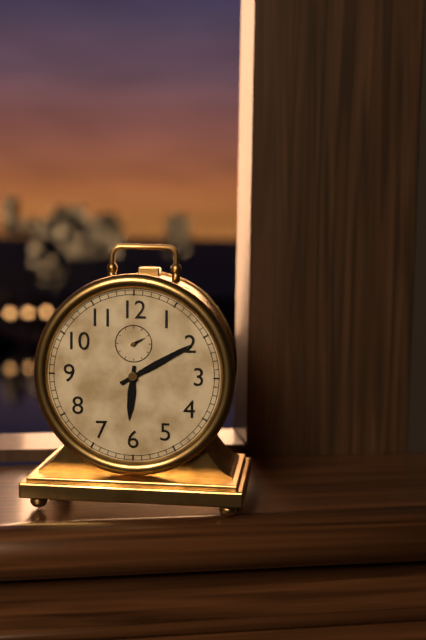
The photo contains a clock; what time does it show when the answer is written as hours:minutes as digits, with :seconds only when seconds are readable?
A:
6:10
